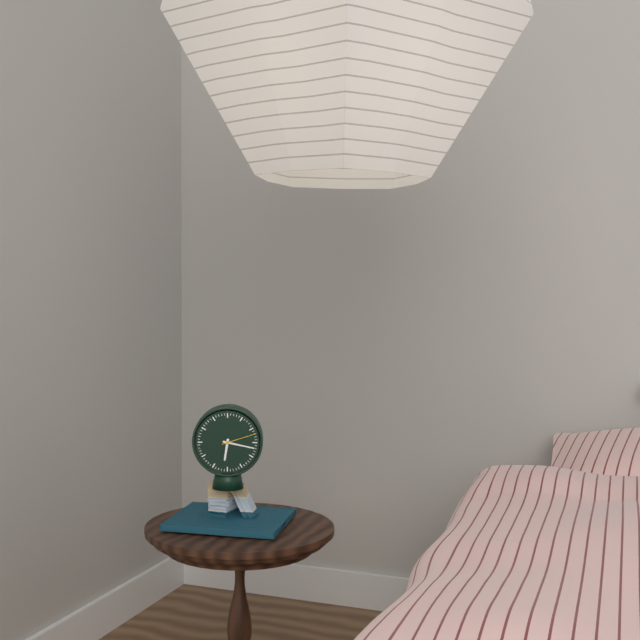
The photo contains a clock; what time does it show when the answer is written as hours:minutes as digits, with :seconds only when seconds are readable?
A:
6:17
